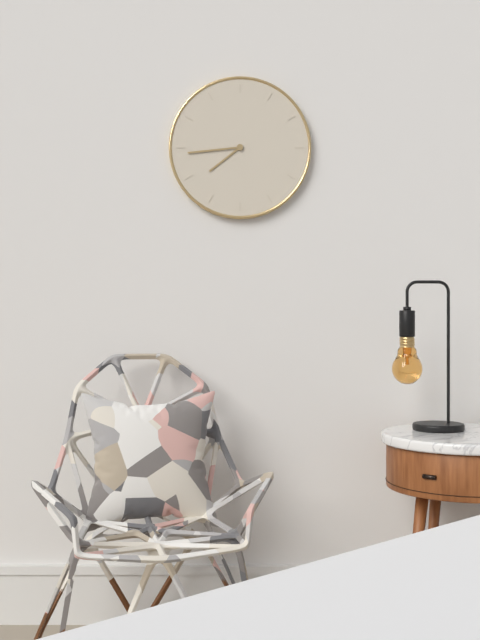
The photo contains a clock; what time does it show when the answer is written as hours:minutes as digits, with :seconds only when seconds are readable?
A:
7:44
